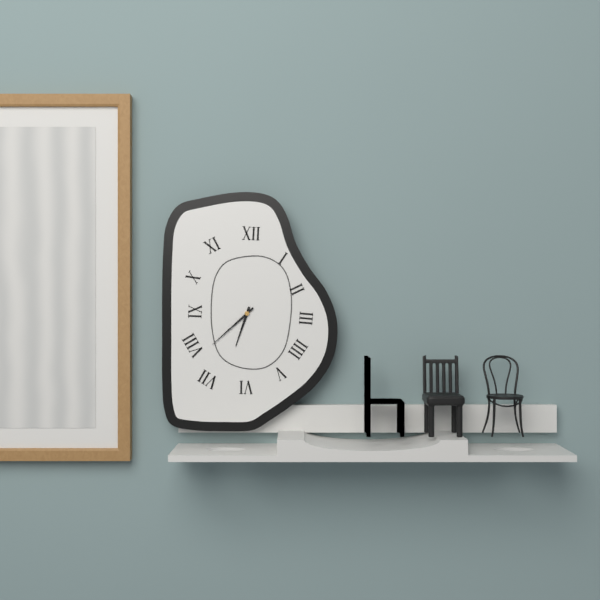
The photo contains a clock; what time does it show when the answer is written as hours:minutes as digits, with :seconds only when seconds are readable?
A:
6:38
